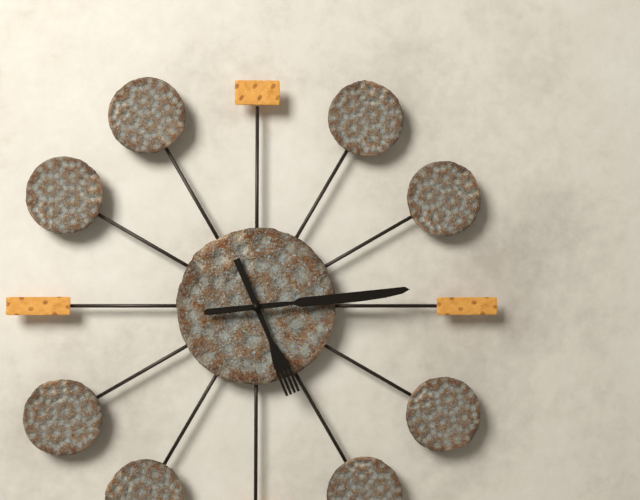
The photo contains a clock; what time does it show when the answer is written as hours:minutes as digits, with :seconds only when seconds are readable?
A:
5:14
